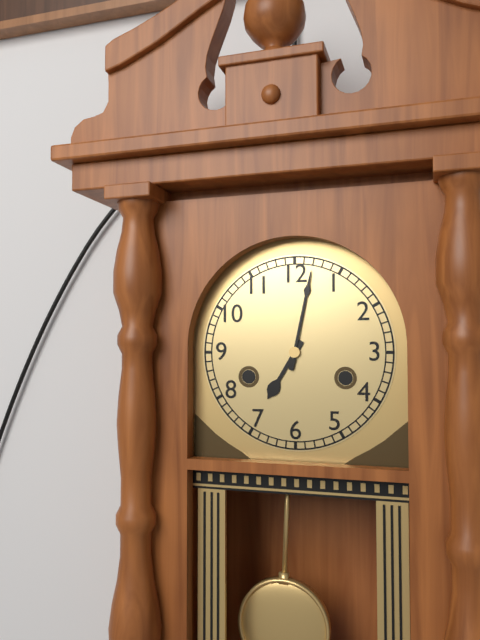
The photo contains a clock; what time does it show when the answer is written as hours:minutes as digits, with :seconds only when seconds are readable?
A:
7:02
